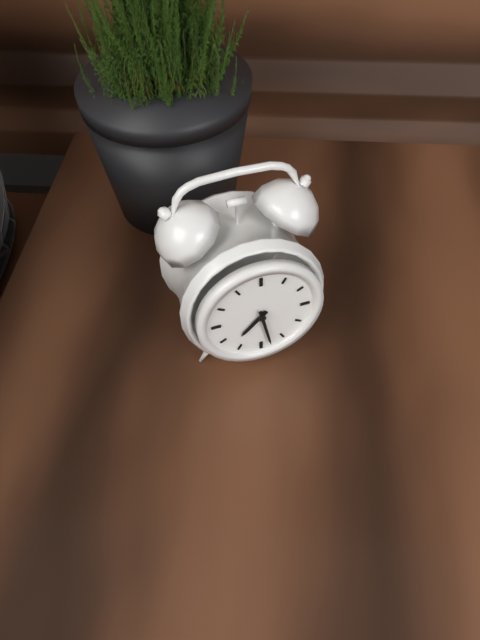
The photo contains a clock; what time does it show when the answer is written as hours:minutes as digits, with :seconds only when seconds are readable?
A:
7:28
